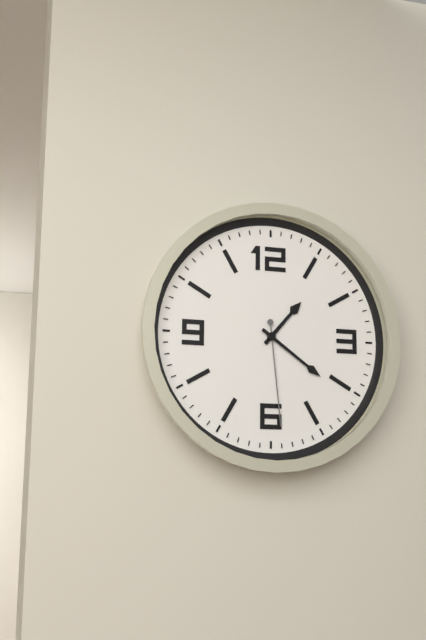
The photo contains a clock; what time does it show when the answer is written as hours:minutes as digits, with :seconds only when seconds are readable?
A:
1:21:29
